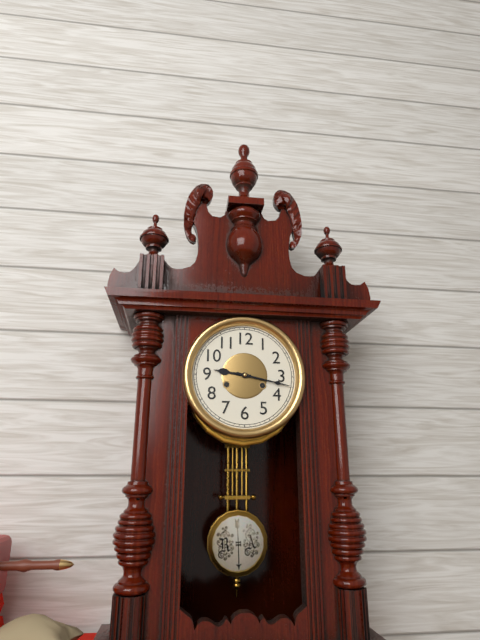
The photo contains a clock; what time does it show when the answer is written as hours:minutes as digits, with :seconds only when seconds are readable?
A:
9:17
